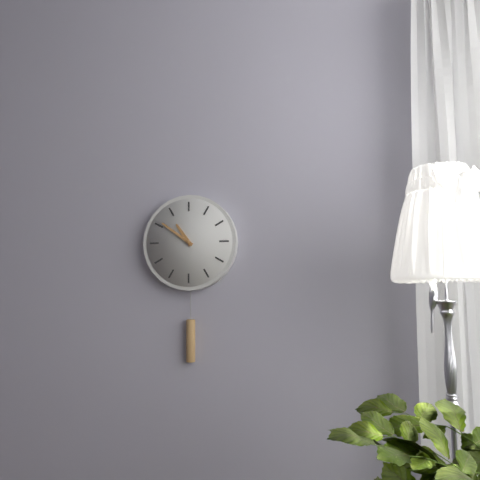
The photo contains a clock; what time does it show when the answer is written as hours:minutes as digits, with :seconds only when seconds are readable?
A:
10:51
